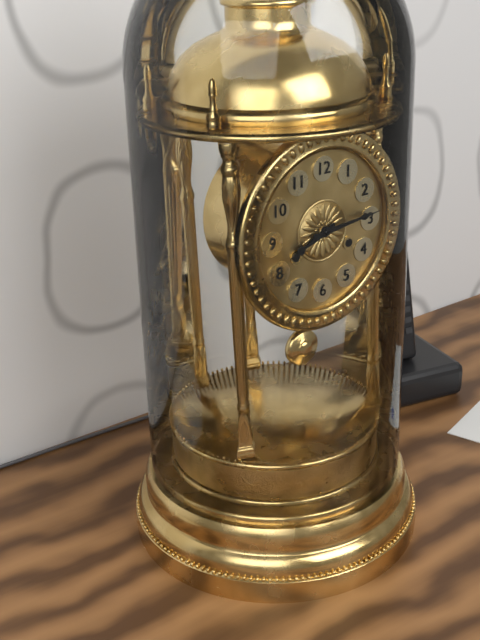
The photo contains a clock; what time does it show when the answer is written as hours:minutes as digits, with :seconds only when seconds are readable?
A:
8:14
